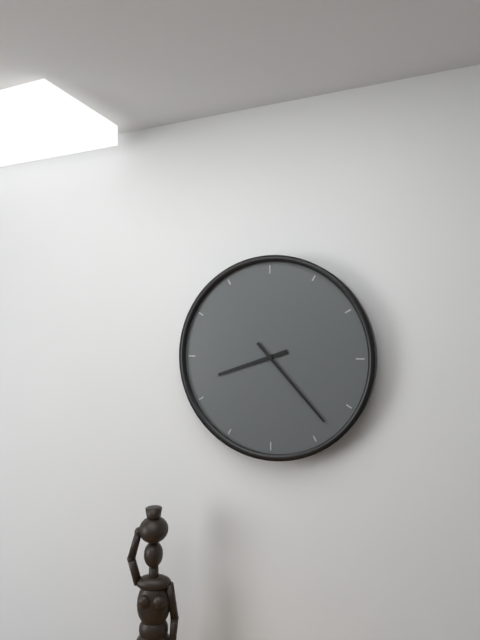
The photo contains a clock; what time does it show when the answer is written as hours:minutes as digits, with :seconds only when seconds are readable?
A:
8:23
